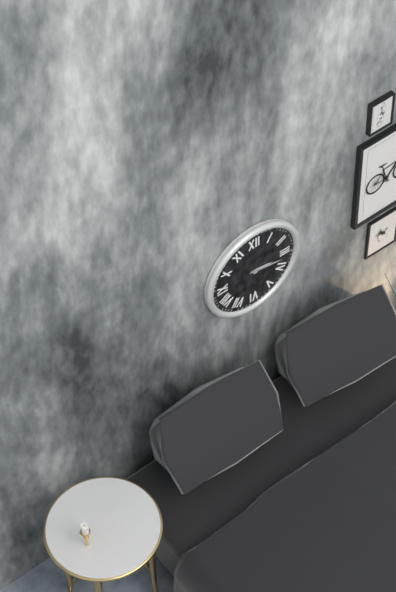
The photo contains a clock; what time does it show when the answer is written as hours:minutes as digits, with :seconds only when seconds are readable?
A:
3:17
